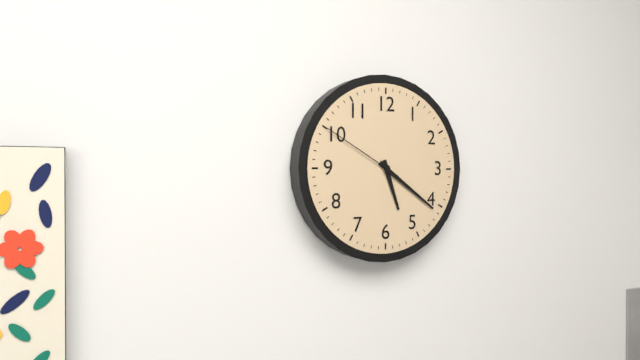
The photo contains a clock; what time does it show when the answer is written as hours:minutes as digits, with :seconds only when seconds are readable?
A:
5:21:50
